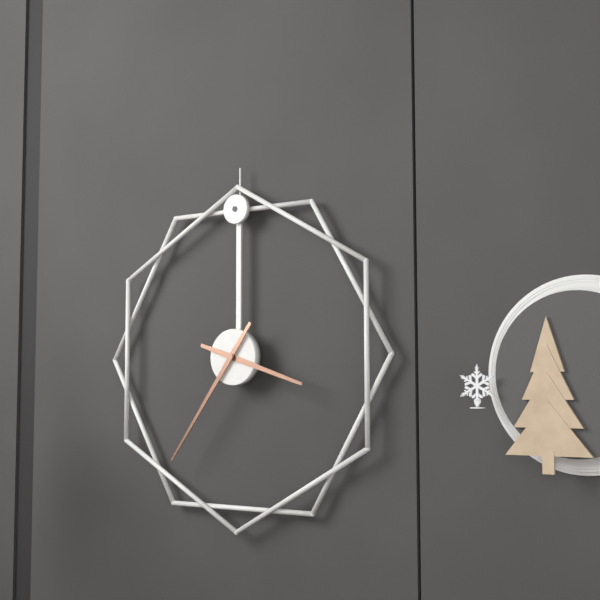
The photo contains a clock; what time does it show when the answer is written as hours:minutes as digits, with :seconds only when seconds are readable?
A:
3:36
